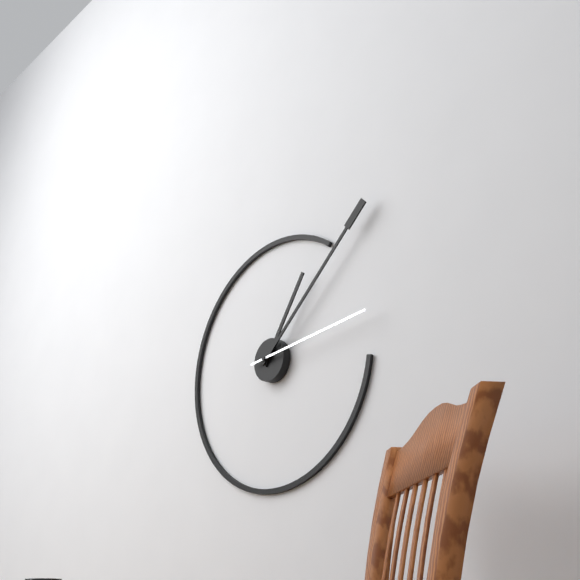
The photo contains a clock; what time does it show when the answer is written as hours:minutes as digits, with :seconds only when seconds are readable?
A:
1:08:14
